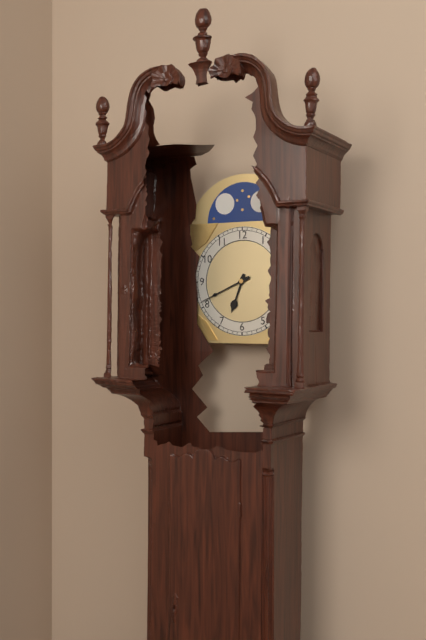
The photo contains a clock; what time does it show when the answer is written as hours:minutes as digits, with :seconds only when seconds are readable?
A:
6:41
